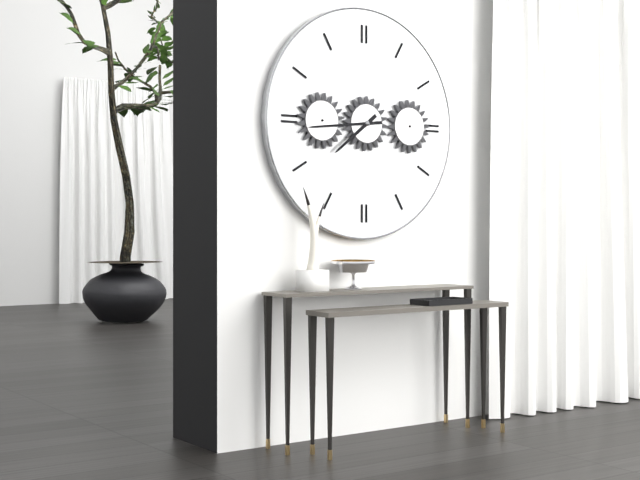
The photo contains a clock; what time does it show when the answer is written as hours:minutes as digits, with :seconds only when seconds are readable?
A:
7:44
